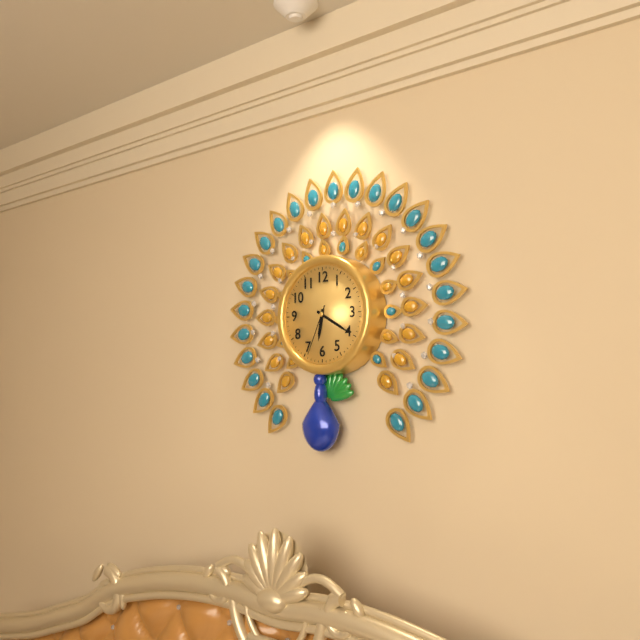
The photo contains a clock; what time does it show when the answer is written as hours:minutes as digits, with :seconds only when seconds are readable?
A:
6:20:34
